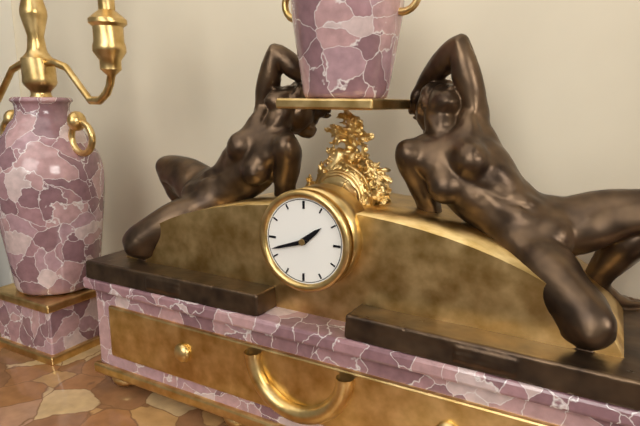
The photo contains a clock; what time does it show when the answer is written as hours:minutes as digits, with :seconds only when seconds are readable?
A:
1:42
